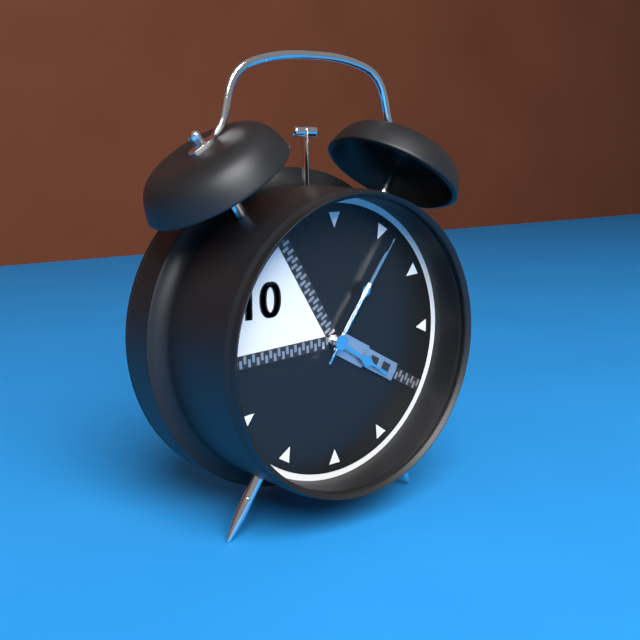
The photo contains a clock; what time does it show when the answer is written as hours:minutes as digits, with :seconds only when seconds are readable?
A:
4:06:06
